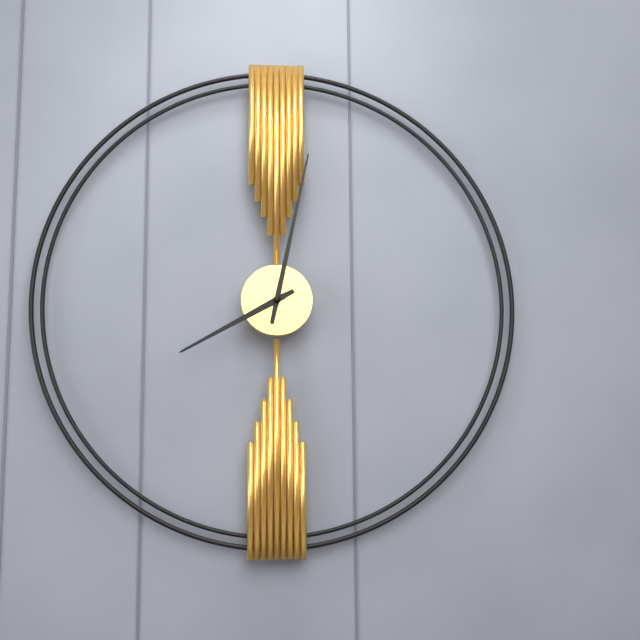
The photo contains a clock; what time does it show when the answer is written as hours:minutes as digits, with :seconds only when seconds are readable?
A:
8:02
